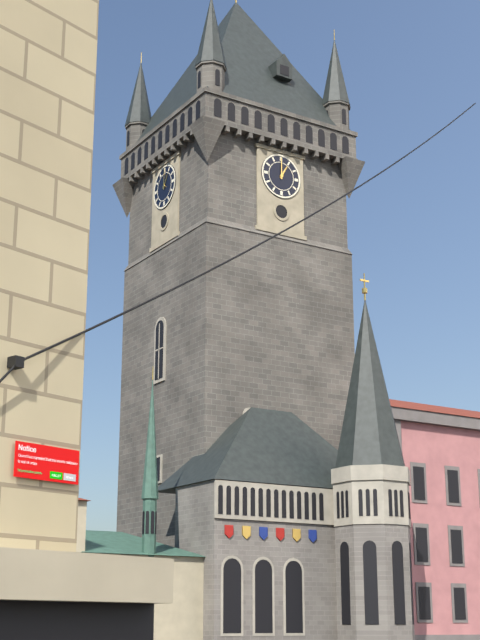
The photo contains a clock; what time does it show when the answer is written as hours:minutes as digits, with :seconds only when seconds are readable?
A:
1:00
